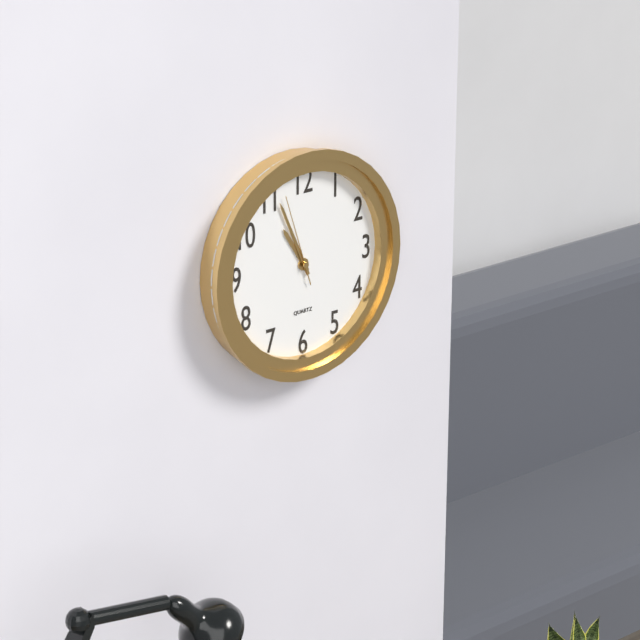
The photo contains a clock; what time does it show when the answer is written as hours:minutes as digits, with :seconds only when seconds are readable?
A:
10:56:57
